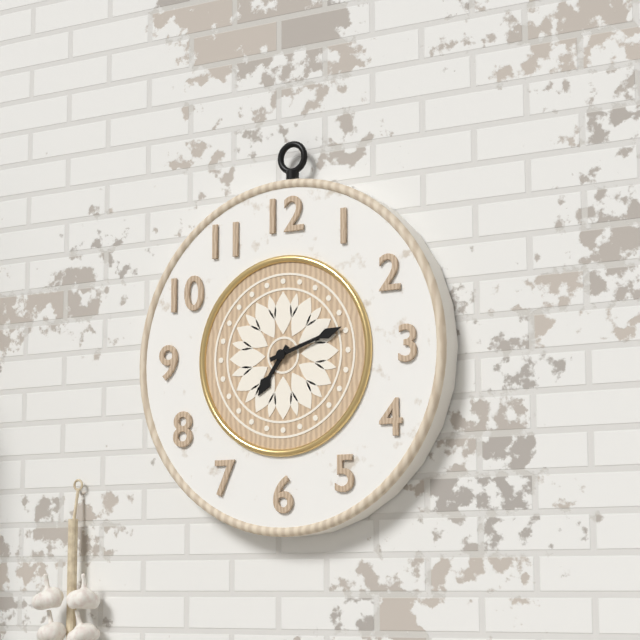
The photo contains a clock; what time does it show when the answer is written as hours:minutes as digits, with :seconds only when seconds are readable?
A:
7:12
